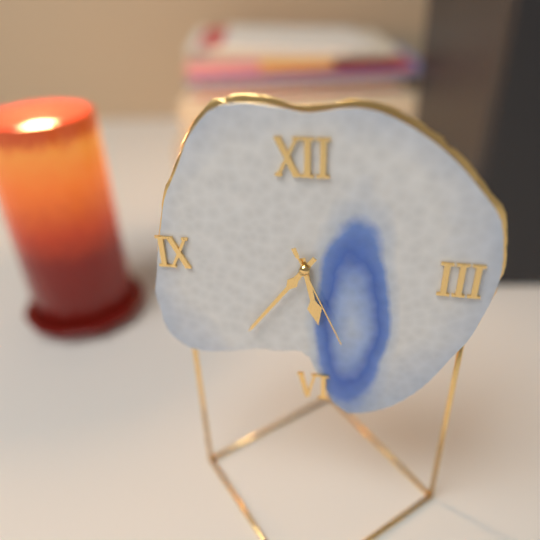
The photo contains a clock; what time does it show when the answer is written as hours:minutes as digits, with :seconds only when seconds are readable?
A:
5:36:26
